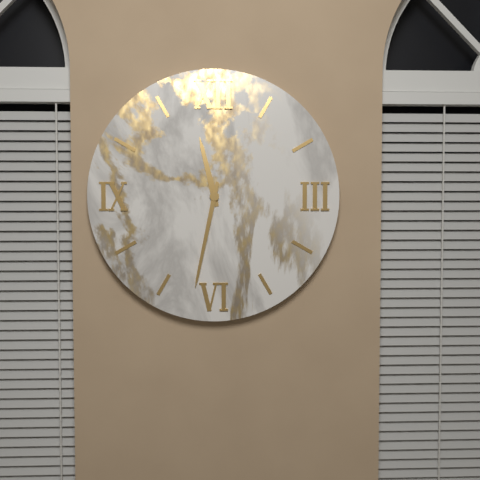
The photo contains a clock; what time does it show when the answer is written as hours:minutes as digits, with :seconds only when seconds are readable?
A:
11:32
